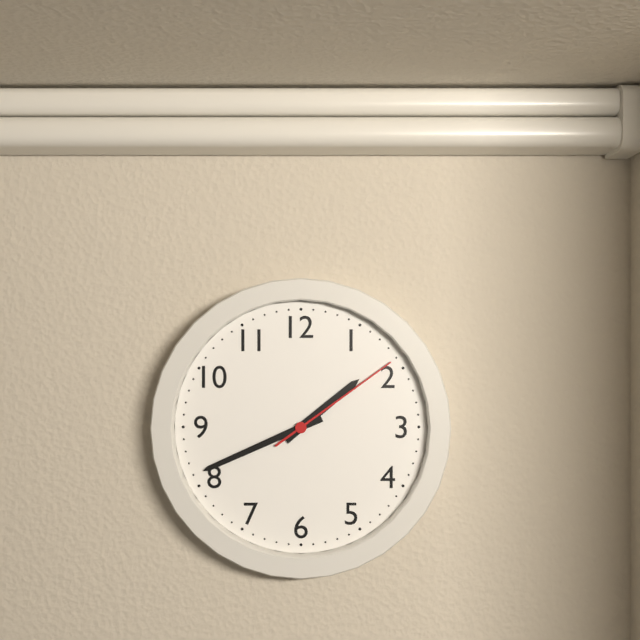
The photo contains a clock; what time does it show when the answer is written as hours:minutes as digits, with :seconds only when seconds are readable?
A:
1:41:09
